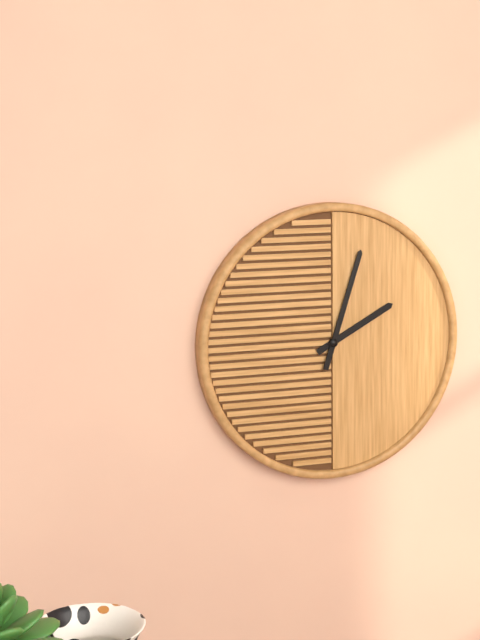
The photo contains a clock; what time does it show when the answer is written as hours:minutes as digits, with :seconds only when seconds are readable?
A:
2:03
